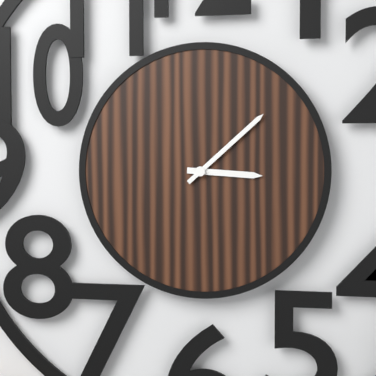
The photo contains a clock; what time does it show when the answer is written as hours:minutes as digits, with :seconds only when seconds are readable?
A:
3:08
